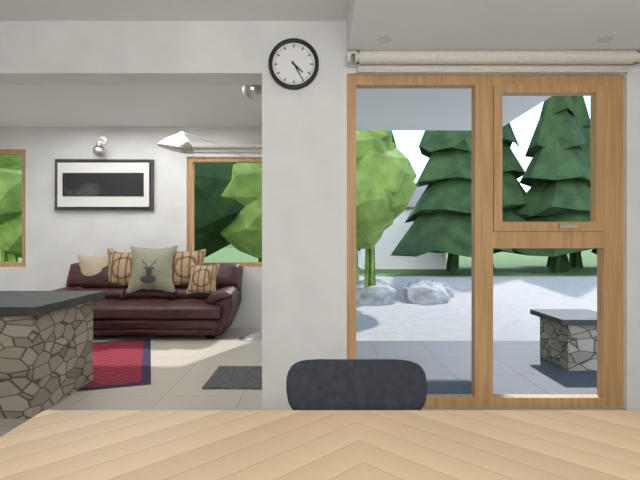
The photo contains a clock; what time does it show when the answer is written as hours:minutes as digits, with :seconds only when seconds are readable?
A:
4:25
